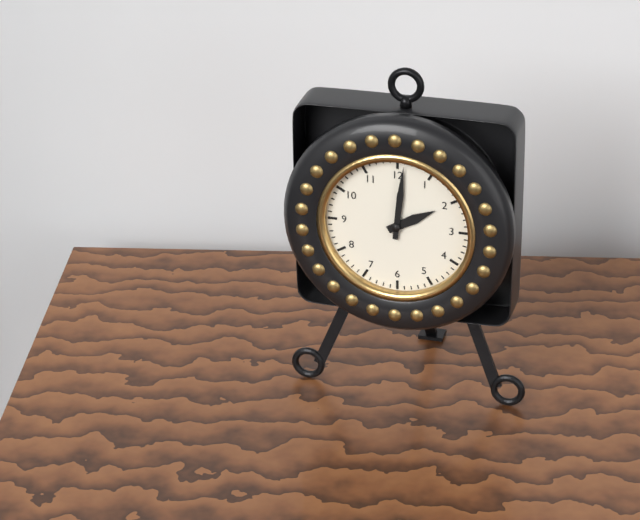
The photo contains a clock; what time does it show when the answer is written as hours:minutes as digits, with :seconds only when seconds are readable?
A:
2:01
